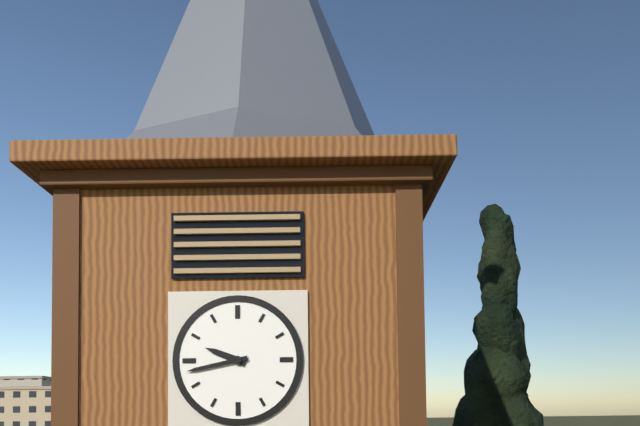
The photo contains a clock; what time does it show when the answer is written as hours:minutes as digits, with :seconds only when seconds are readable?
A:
9:43
